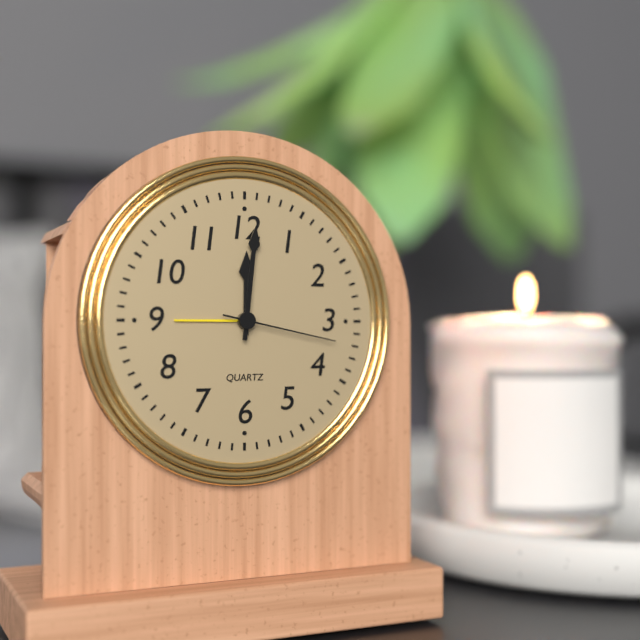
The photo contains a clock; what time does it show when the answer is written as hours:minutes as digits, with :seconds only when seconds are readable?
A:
12:01:17
